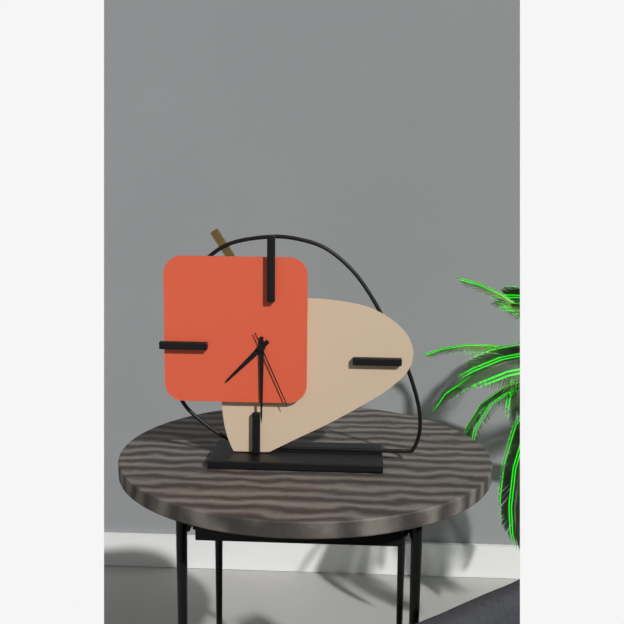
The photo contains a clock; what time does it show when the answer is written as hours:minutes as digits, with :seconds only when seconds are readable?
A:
7:30:26
